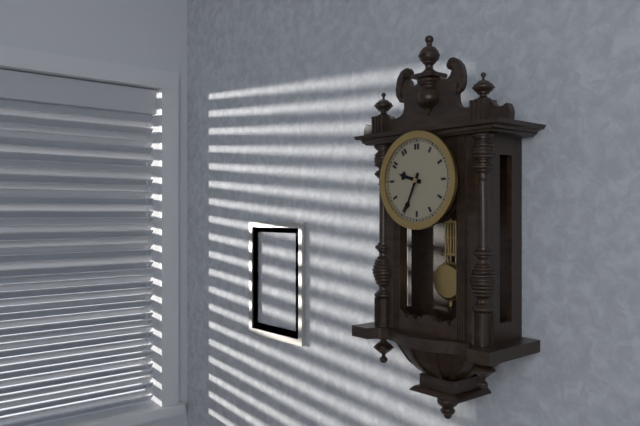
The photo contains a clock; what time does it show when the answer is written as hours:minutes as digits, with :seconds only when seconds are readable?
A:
9:34
